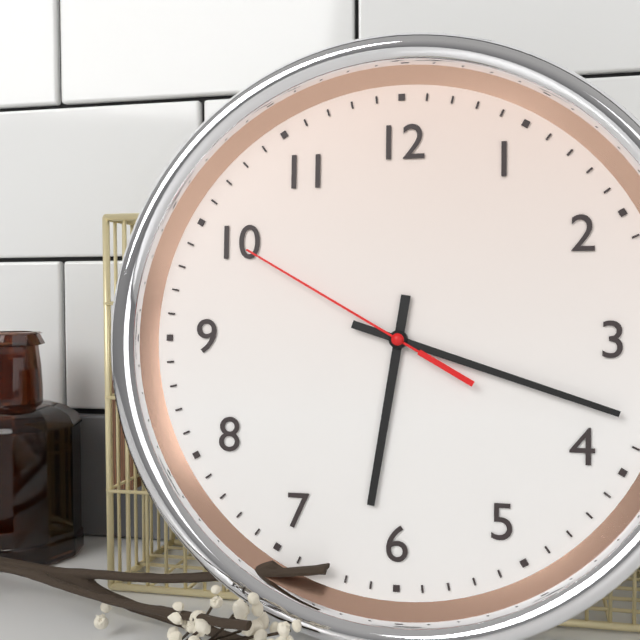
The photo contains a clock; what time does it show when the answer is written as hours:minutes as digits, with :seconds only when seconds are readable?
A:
6:18:50
